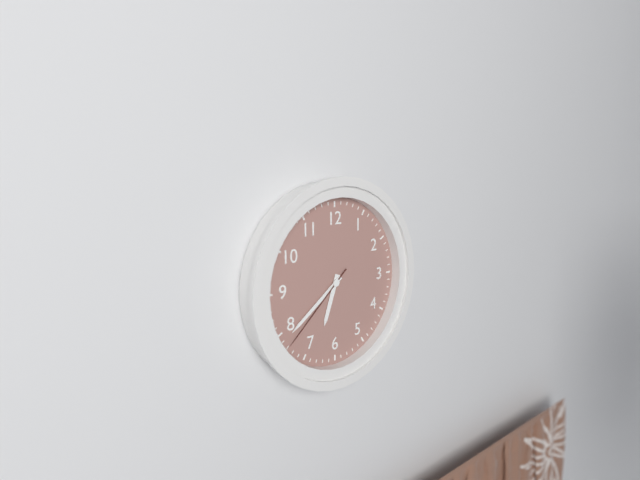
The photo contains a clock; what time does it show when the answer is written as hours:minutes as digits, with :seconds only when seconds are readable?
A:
6:39:38
